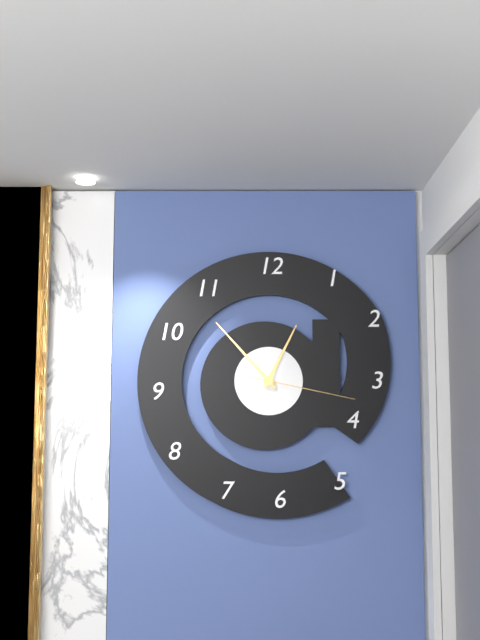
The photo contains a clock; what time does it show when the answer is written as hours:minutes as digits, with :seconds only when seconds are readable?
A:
12:53:17
